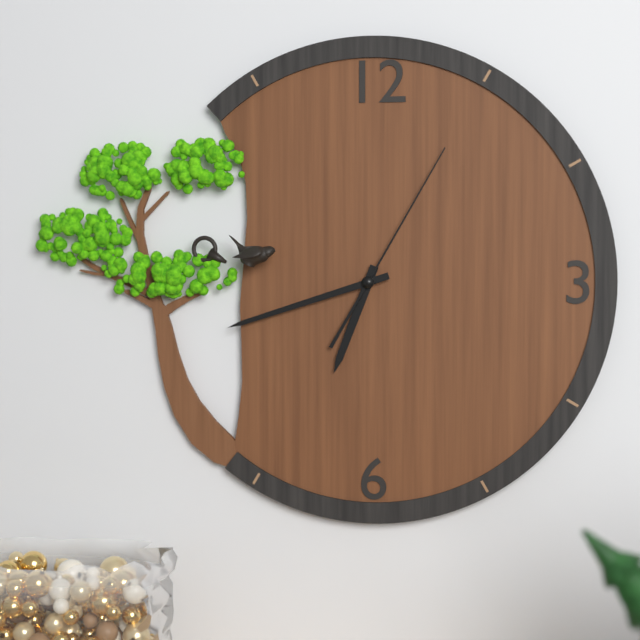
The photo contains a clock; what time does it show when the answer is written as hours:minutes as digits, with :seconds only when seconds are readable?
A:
6:42:05
